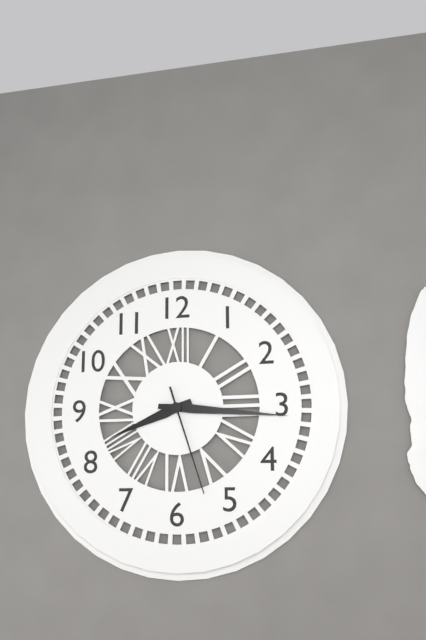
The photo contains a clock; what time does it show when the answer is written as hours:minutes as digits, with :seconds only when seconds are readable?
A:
8:16:27
